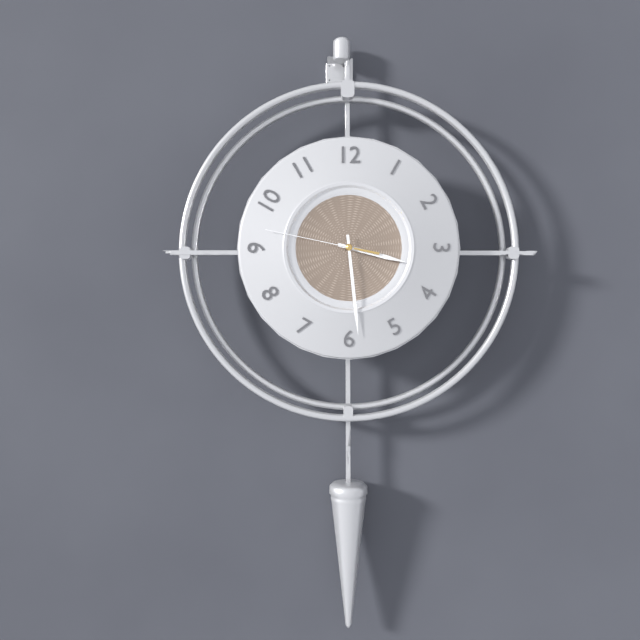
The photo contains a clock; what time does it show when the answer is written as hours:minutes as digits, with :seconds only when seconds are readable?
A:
3:29:47
